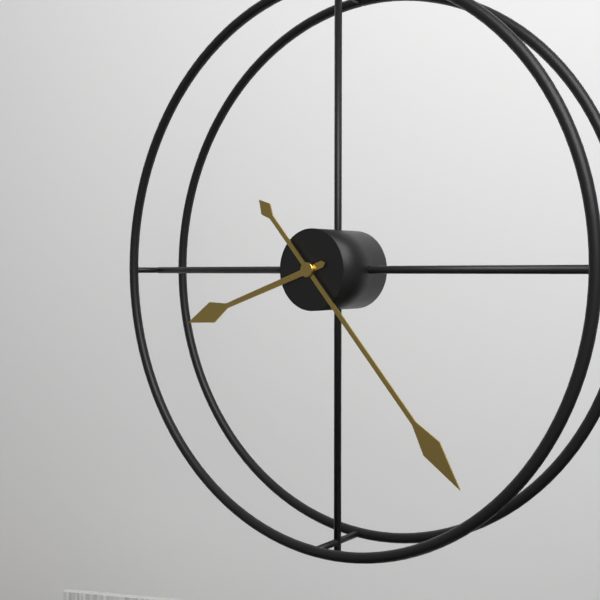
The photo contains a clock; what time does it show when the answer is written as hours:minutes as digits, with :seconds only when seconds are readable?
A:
8:23
